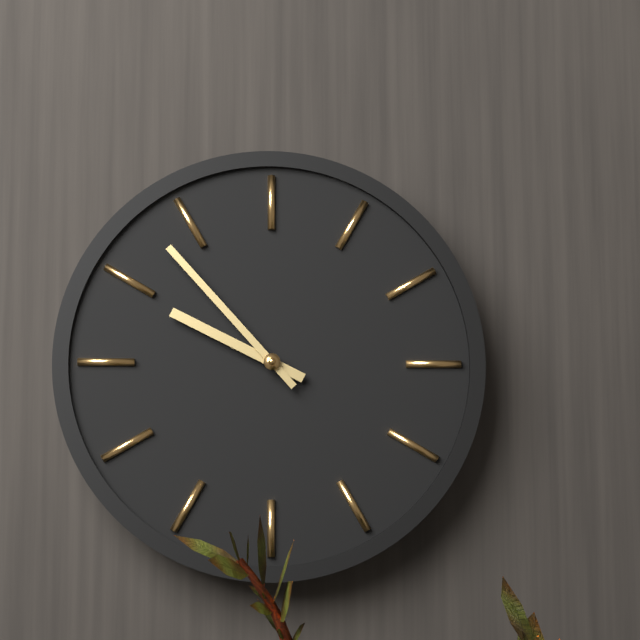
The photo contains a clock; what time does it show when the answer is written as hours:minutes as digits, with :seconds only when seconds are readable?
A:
9:53
